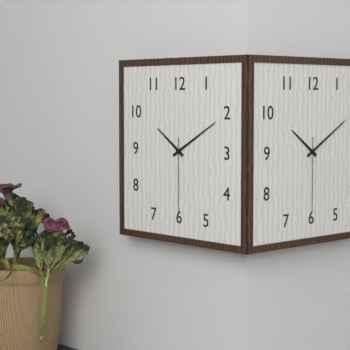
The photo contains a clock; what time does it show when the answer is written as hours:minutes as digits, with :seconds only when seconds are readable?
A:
10:10:30
